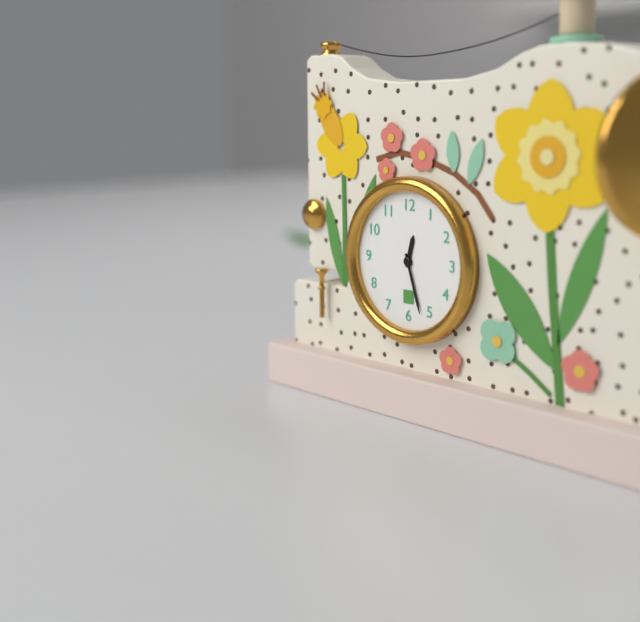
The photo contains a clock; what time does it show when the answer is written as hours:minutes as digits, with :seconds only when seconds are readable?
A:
12:27
